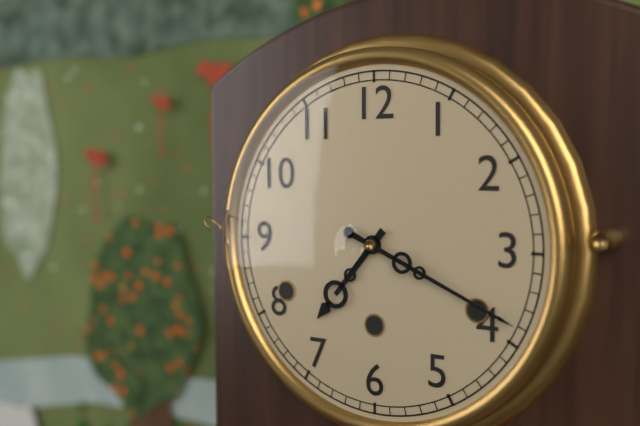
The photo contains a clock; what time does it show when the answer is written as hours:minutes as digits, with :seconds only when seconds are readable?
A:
7:19
